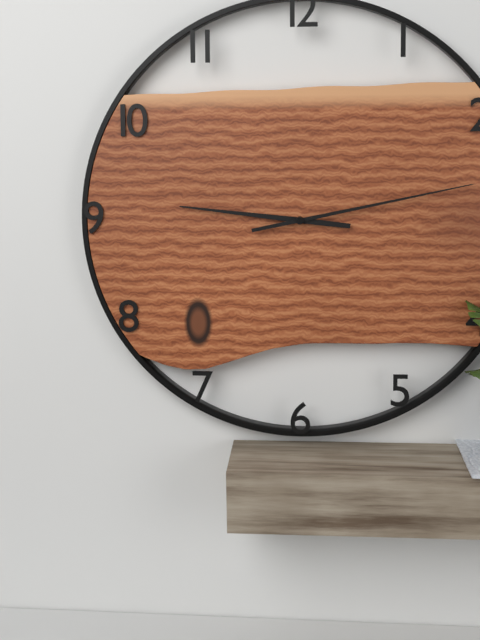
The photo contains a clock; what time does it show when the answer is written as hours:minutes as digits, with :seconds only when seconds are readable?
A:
9:13
